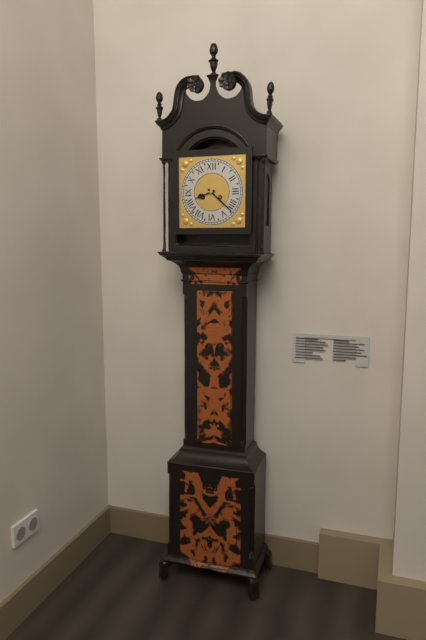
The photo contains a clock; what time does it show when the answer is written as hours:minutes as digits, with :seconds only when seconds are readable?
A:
8:22
